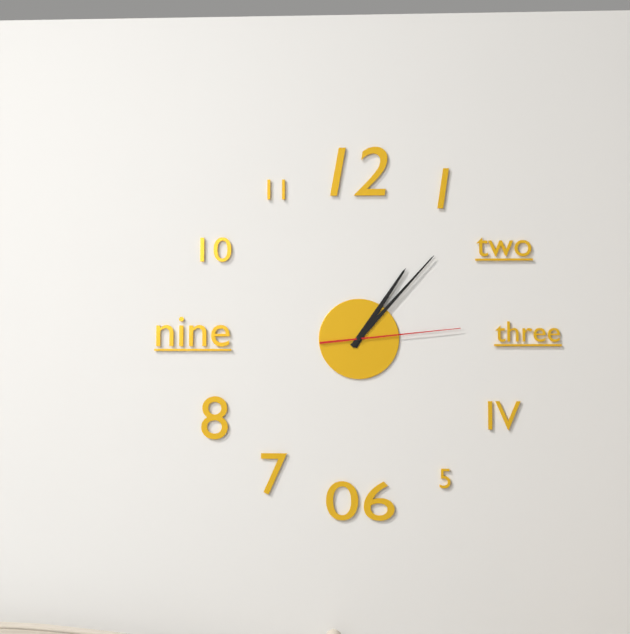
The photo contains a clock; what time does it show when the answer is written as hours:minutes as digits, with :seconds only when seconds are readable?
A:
1:07:14
